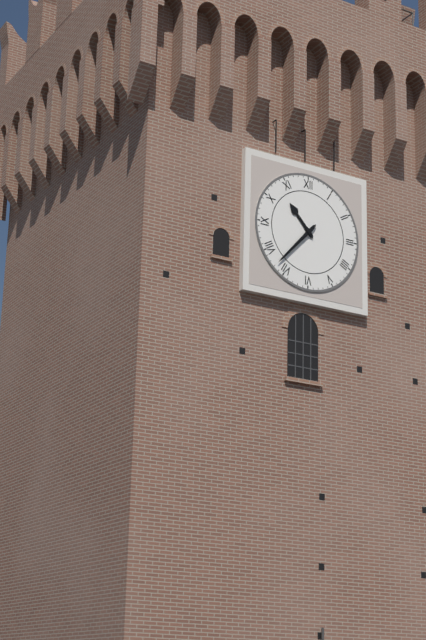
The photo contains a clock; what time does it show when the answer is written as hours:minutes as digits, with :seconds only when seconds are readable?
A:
10:37
